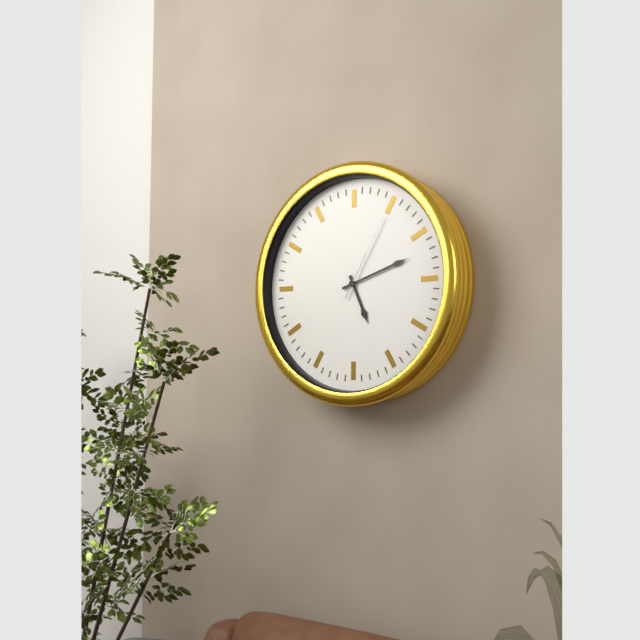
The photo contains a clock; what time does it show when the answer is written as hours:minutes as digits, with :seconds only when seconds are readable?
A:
5:12:05
